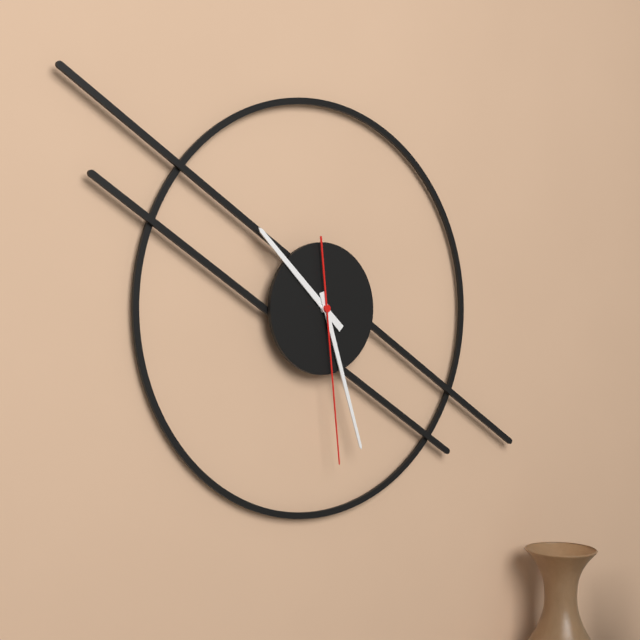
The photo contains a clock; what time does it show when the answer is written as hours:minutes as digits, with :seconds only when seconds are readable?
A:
10:27:29
